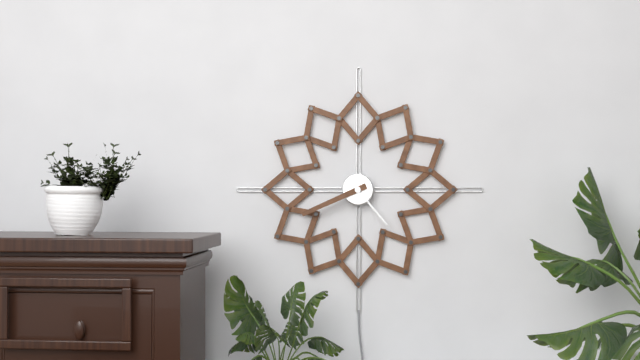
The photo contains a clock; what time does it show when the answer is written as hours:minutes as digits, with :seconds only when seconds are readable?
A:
4:41
